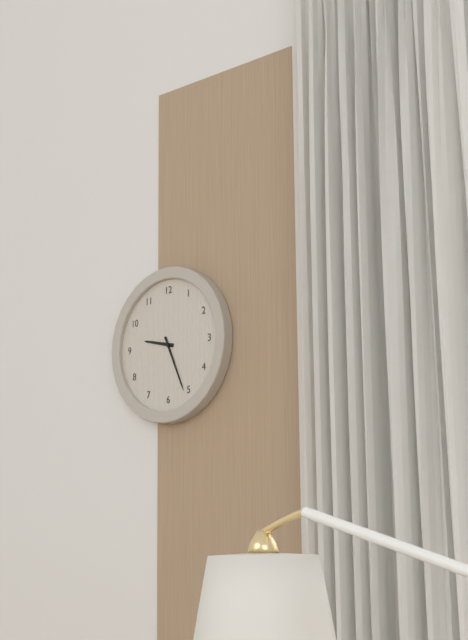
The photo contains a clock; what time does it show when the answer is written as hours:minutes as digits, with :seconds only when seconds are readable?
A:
9:26
